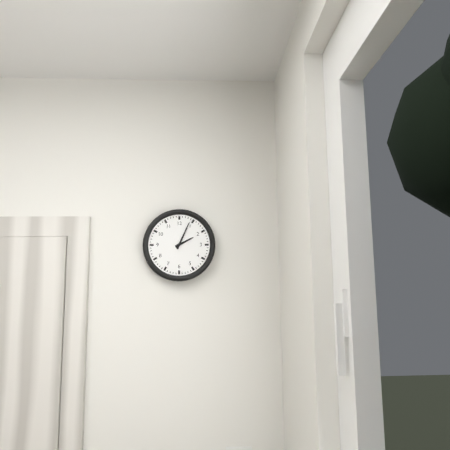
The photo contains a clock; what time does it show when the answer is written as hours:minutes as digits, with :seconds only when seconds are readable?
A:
2:04
